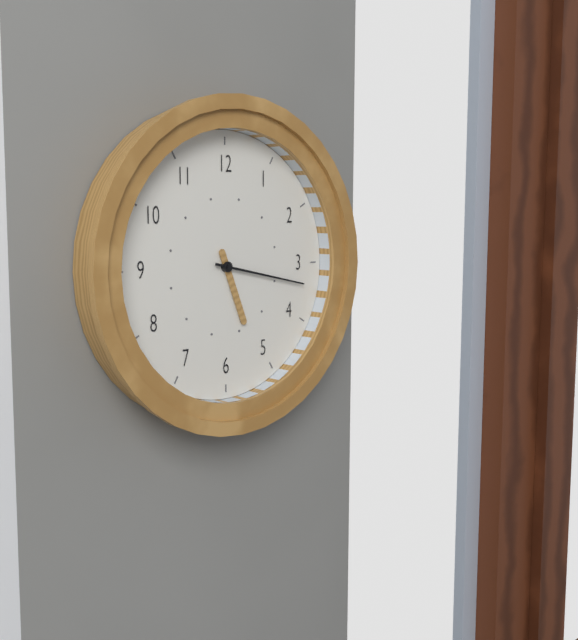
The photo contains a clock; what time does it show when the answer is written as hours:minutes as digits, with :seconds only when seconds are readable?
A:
5:17
